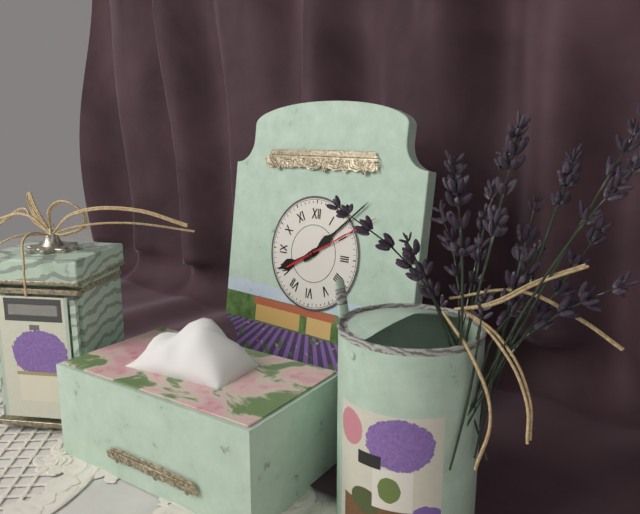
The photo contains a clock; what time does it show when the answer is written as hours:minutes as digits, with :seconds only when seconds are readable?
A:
8:08:10
